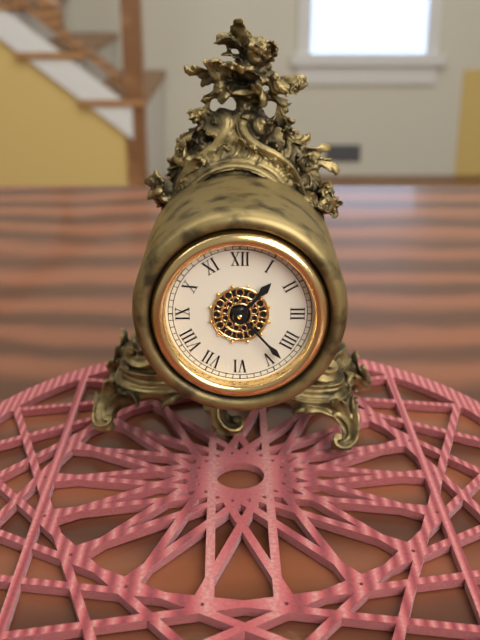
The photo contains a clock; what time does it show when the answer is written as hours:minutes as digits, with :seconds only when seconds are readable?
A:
1:23
